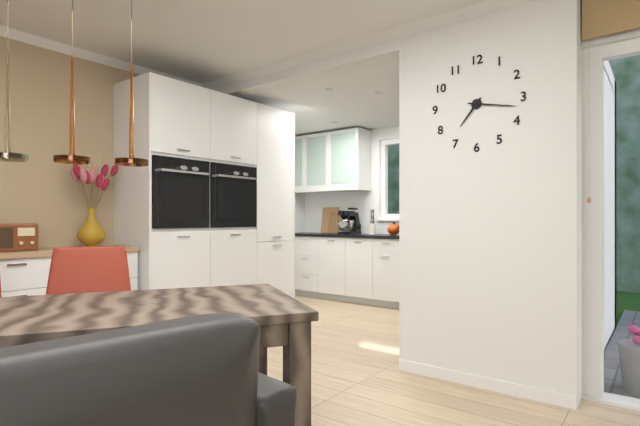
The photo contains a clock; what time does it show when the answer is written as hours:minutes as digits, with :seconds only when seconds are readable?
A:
7:17
